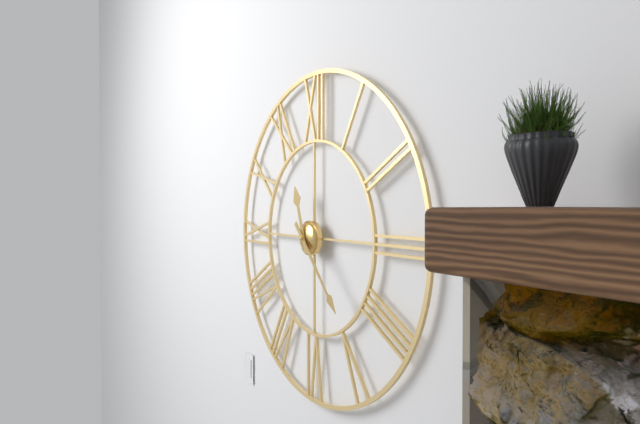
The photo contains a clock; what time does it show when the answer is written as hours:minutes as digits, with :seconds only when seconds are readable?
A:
11:23
